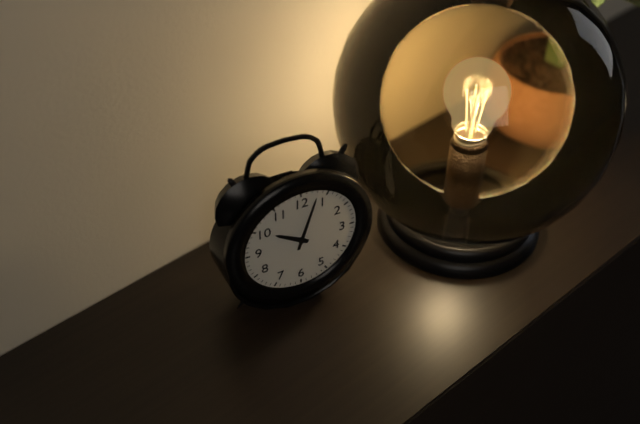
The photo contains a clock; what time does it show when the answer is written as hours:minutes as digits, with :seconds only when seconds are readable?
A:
10:03
